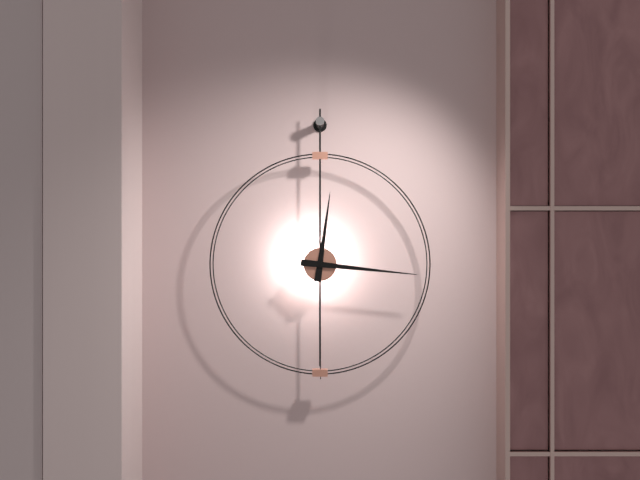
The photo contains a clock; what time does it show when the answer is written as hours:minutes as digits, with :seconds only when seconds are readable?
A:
12:16
